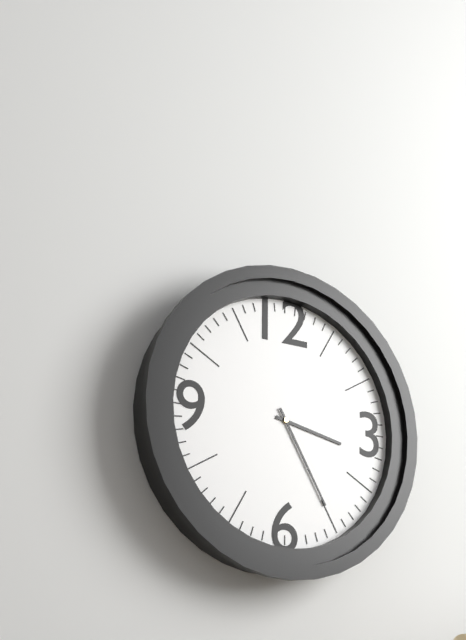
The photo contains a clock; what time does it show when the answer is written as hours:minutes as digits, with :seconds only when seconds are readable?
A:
3:25
